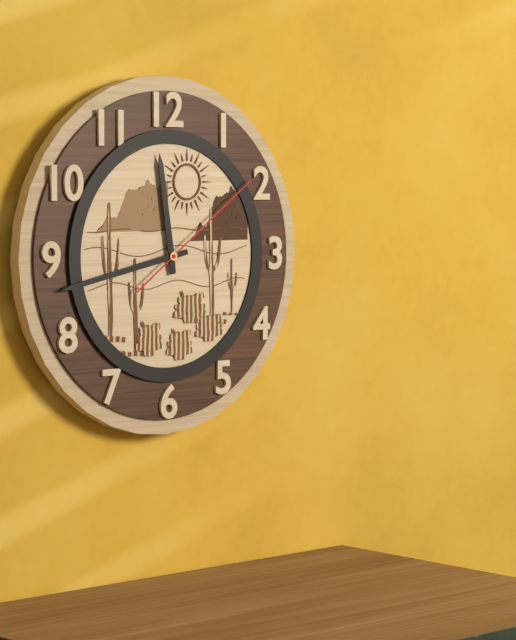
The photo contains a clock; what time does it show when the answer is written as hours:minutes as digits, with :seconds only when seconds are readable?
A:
11:43:09
